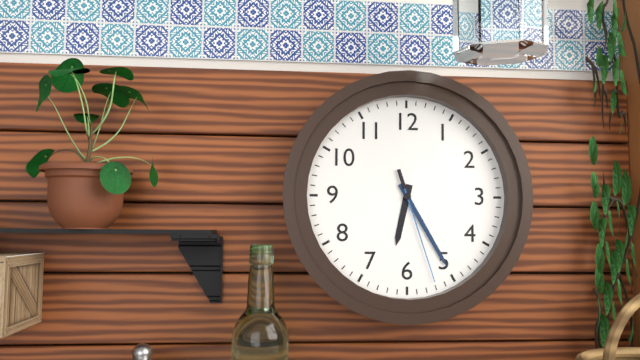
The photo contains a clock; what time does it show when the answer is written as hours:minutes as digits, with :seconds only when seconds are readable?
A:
6:25:27
